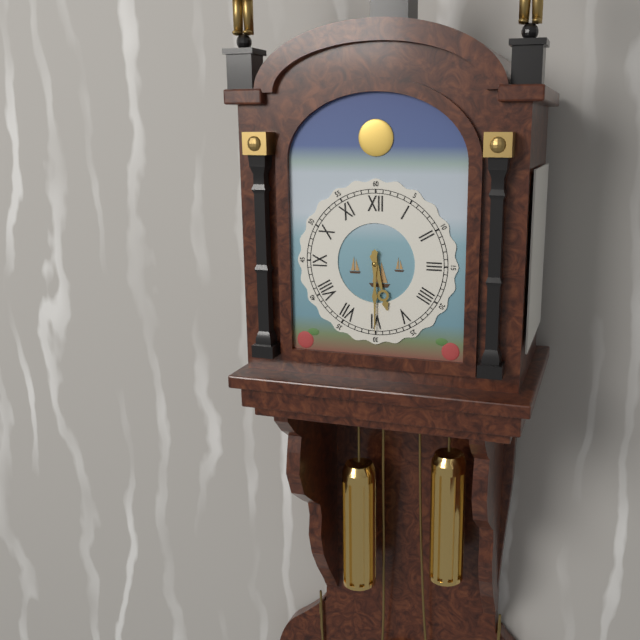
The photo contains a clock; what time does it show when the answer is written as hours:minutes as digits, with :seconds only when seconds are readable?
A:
5:30
